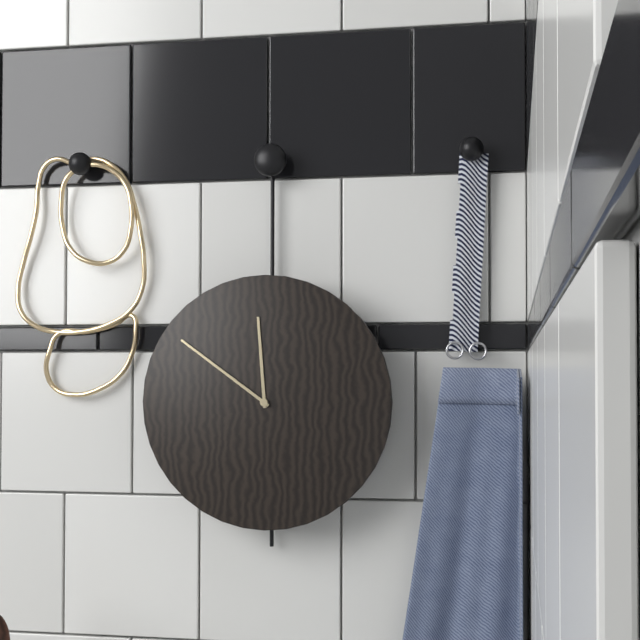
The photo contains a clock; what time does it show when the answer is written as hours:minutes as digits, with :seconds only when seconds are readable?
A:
11:51
